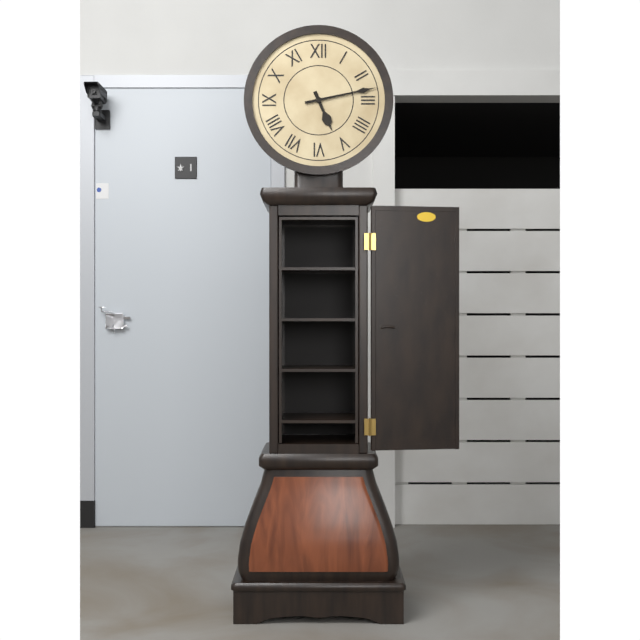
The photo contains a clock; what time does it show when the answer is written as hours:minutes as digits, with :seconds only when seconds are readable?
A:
5:13
